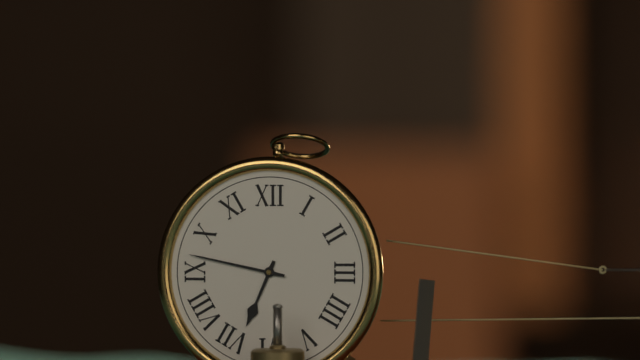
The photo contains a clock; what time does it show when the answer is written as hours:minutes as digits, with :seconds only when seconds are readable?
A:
6:47
